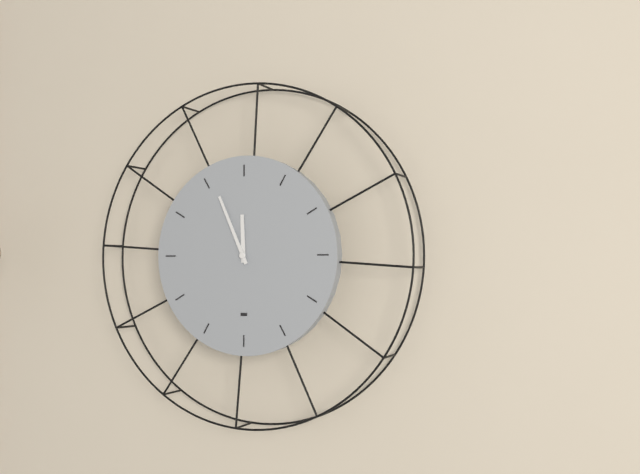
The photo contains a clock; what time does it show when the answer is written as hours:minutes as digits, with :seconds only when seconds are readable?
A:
11:56
